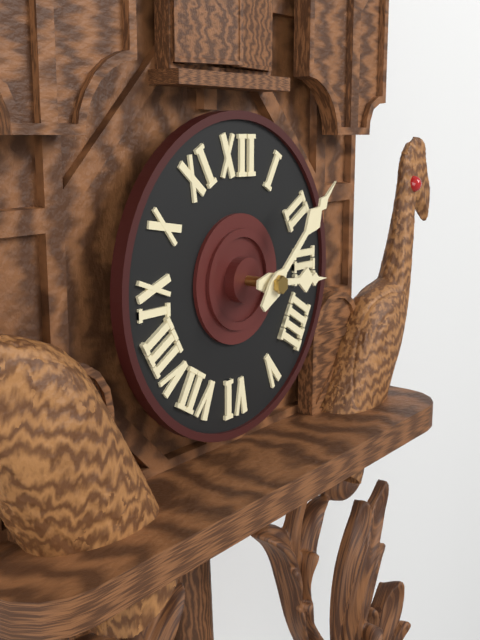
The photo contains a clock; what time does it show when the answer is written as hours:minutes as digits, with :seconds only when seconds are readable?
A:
3:08
